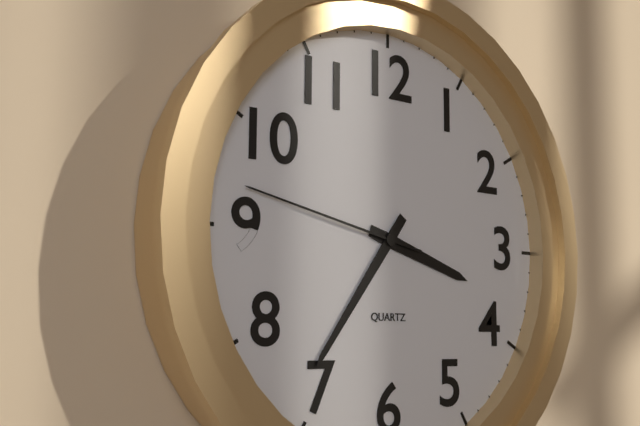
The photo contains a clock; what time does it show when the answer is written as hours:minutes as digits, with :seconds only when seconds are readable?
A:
3:36:47
